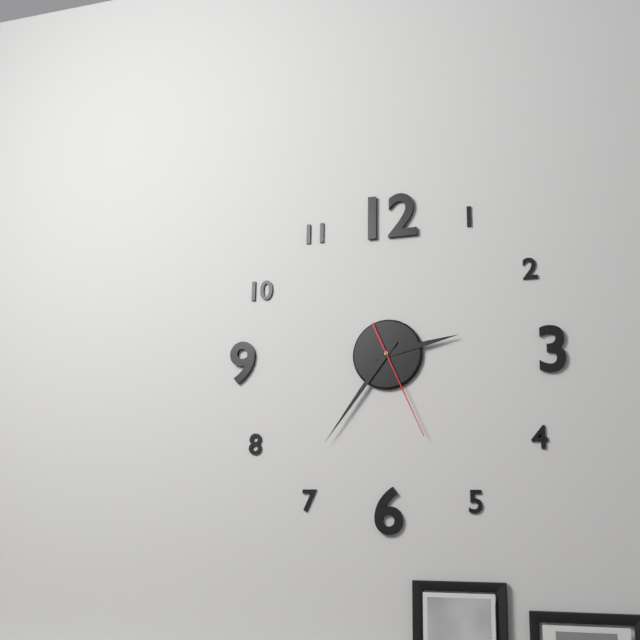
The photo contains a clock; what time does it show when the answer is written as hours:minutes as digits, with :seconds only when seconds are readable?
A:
2:36:26
